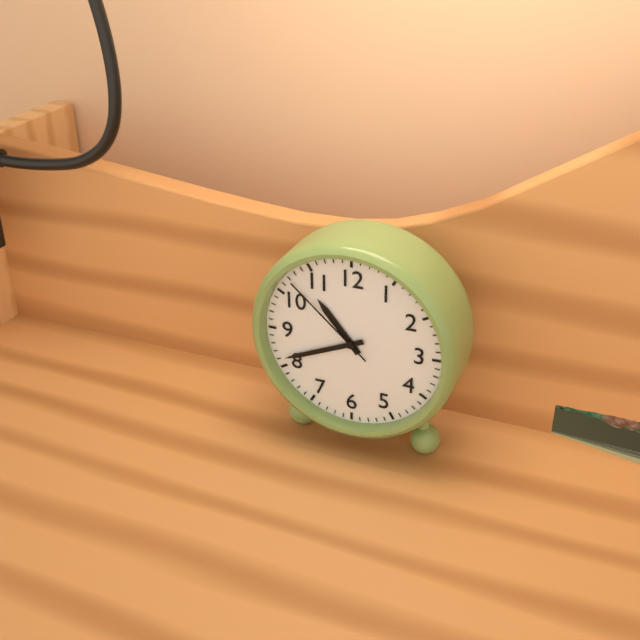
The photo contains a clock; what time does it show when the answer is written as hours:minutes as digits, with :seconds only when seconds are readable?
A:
10:41:52
